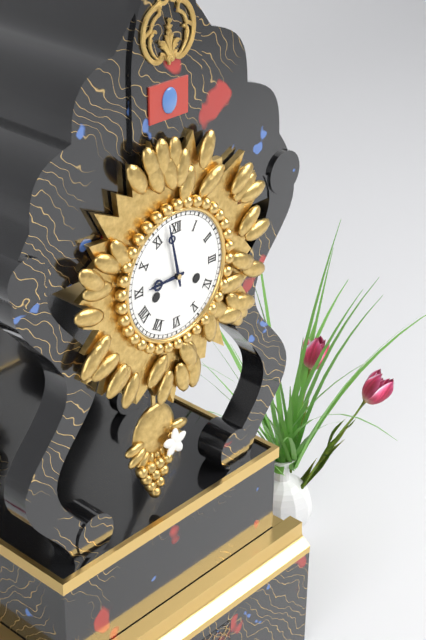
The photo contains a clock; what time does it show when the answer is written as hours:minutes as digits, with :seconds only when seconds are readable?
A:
8:58
